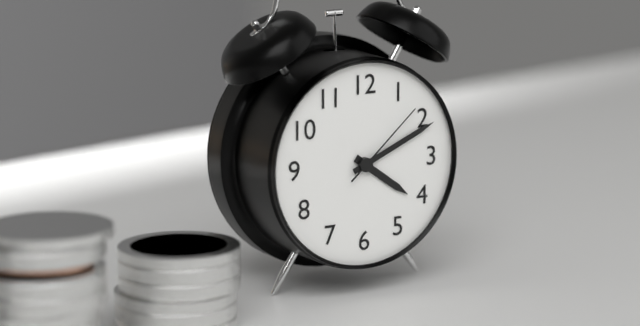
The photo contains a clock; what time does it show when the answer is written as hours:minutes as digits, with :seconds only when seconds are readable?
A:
4:11:08
